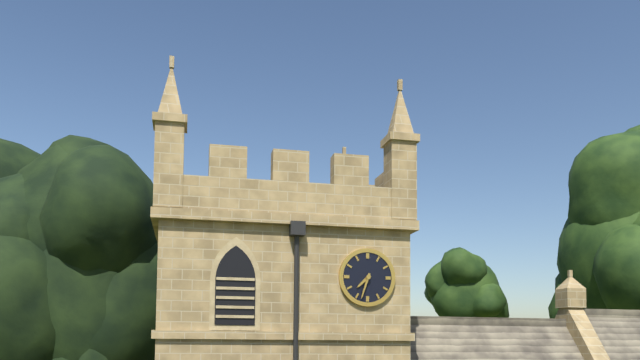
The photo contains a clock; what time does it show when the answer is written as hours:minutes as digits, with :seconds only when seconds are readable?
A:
7:33
